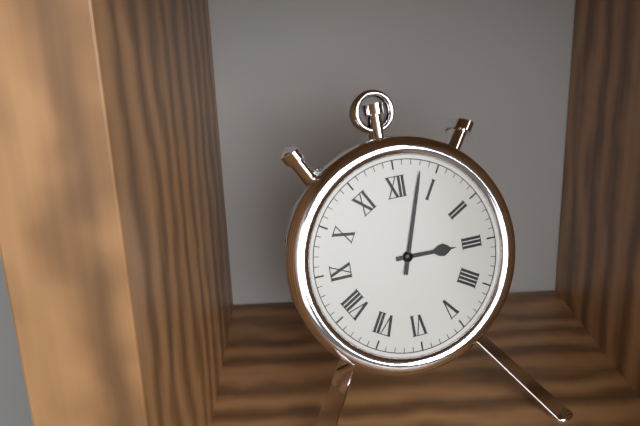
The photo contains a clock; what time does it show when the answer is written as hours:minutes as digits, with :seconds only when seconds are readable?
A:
3:03
